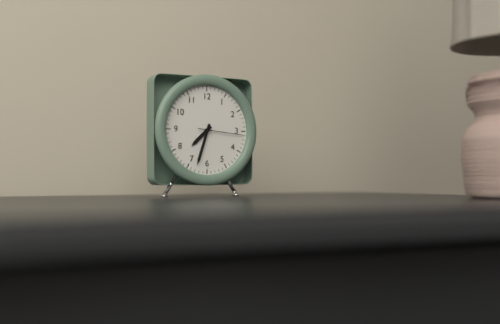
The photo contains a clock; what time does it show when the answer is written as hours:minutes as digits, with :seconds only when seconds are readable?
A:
7:33:16
